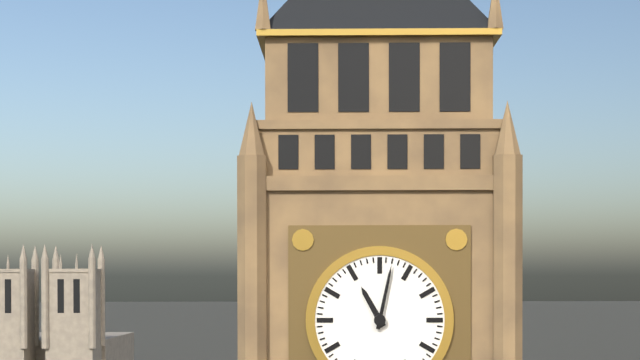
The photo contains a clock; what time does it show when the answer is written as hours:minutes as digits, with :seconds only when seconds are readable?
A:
11:02
